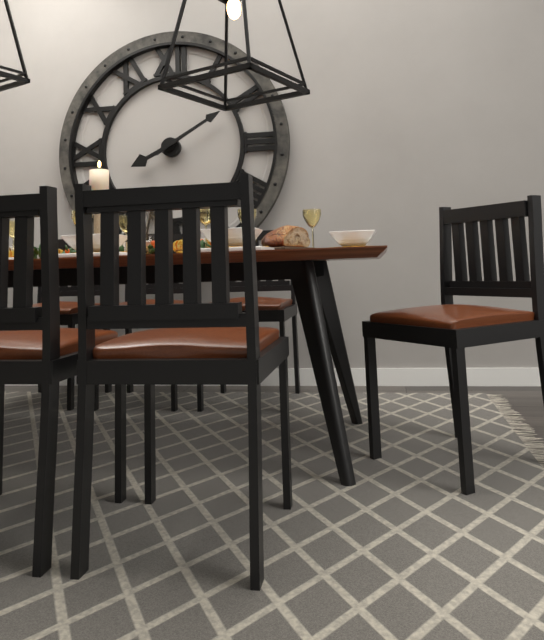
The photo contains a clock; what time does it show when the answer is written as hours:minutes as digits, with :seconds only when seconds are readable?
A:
8:10
